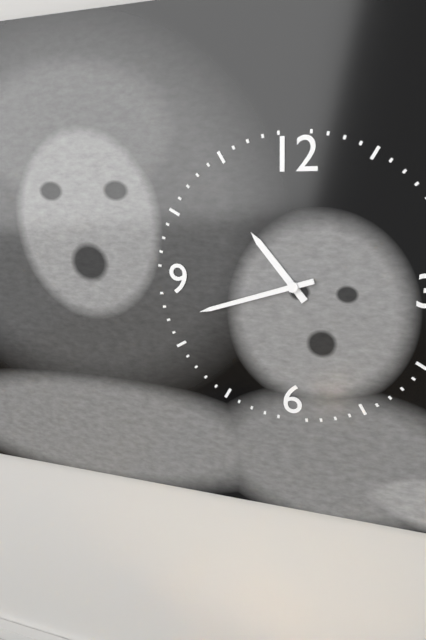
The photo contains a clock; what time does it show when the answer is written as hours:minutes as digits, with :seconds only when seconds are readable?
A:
10:42
